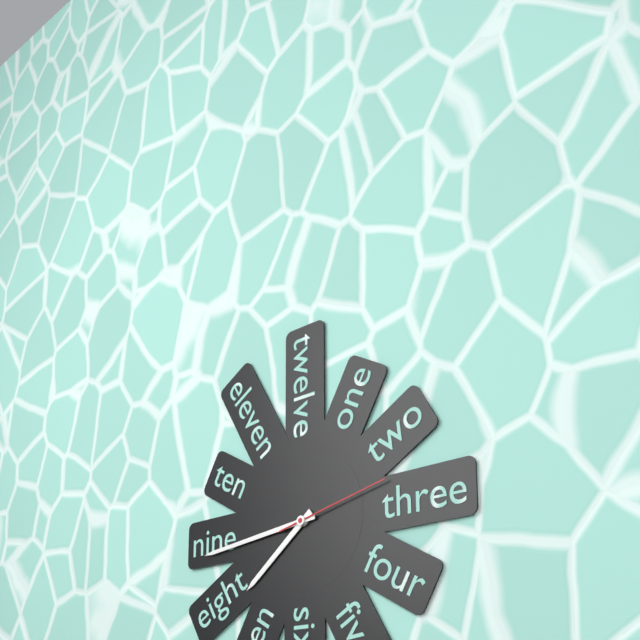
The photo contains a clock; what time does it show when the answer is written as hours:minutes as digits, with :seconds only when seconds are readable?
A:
7:44:13
